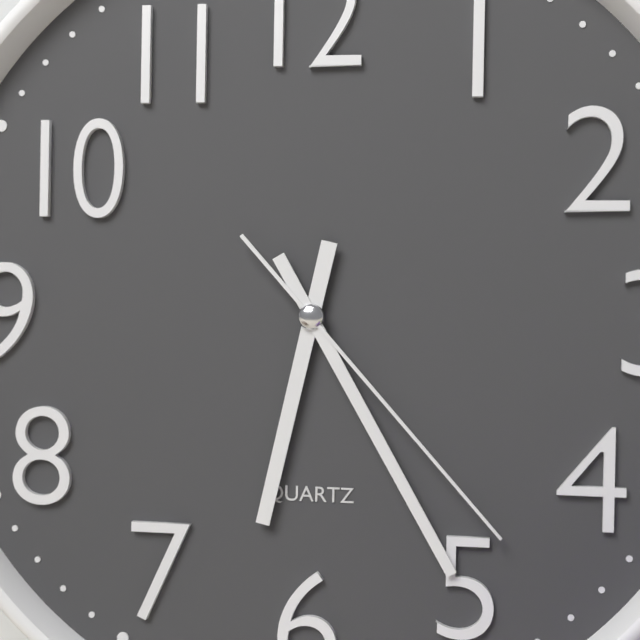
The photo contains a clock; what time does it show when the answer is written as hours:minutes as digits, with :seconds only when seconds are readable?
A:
6:25:23
